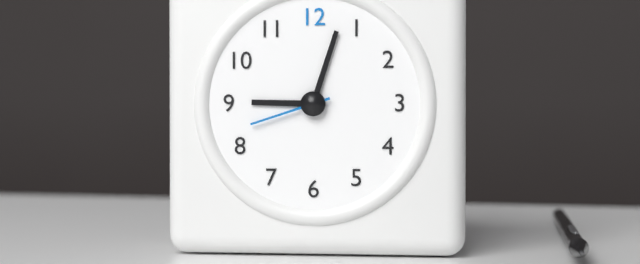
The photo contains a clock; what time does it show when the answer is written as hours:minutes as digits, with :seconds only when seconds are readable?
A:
9:03:42
